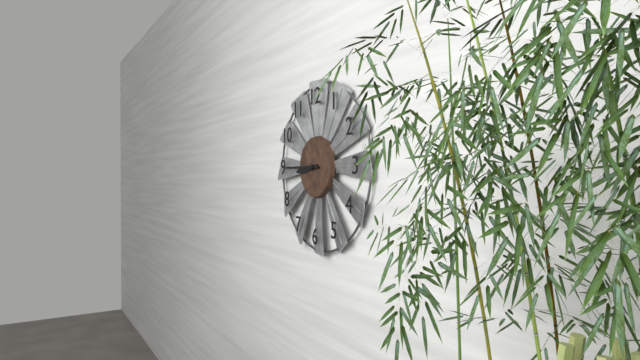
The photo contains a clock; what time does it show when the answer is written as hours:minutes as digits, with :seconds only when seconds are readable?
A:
8:45
